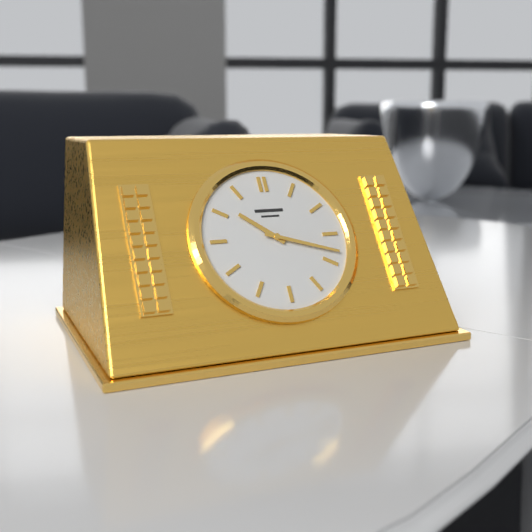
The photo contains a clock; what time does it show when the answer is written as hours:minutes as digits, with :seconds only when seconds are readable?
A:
10:18
